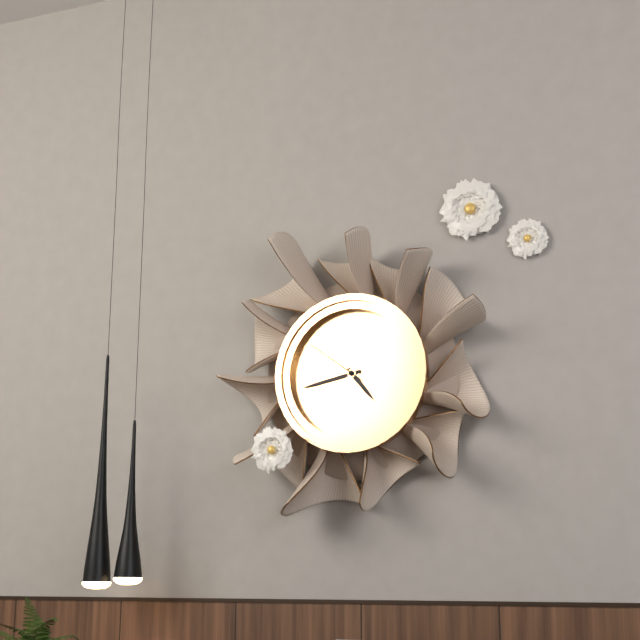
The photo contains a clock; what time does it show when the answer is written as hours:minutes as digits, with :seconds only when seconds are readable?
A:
4:43:51
